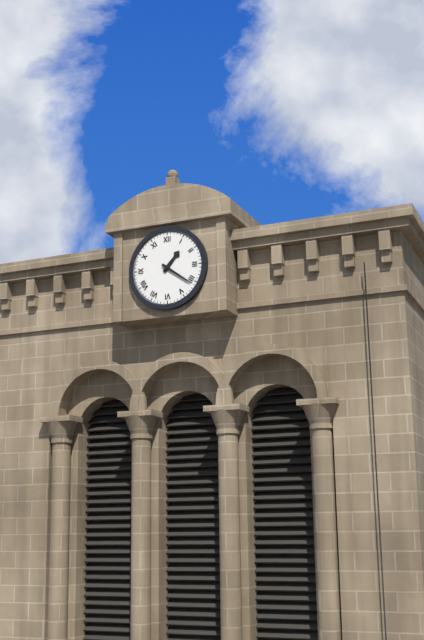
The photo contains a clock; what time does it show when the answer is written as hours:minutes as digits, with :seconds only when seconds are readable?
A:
1:21
